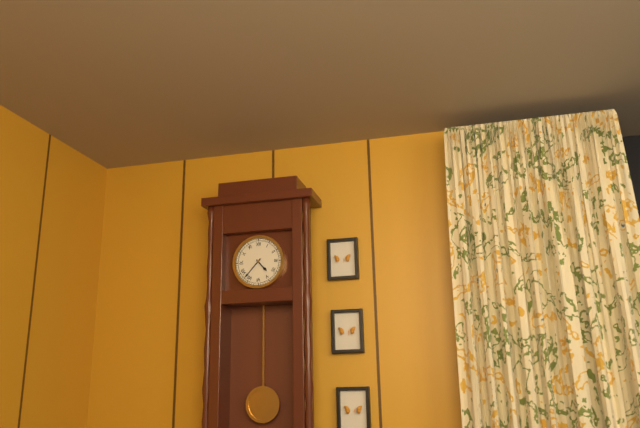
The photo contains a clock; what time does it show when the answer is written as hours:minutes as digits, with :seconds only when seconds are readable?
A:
4:37
